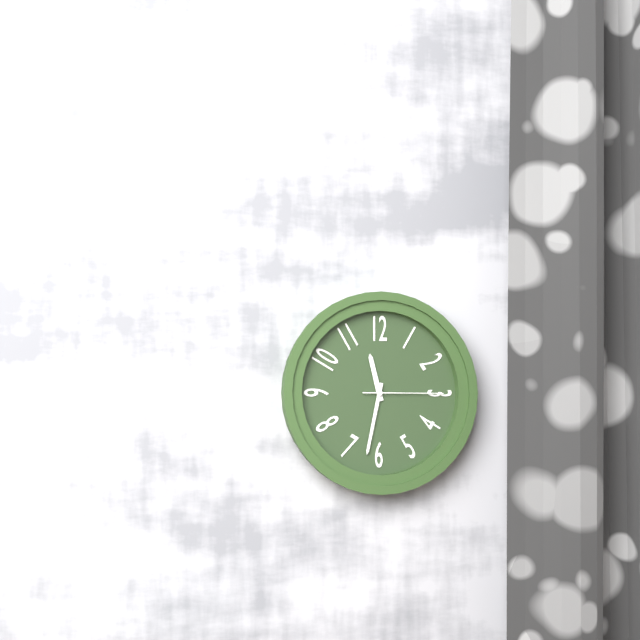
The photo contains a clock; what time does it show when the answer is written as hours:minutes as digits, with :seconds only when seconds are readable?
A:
11:32:15
